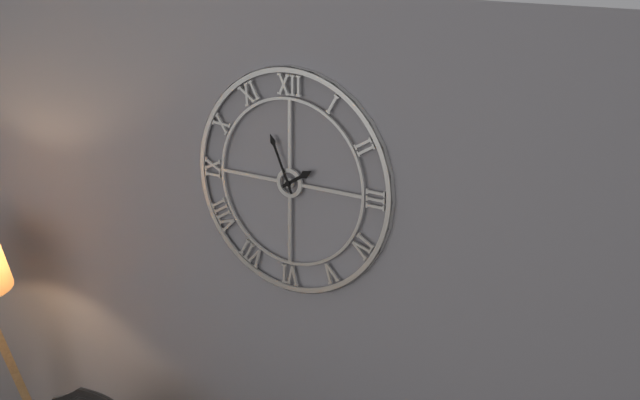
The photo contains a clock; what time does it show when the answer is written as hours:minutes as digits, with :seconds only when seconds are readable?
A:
1:56
